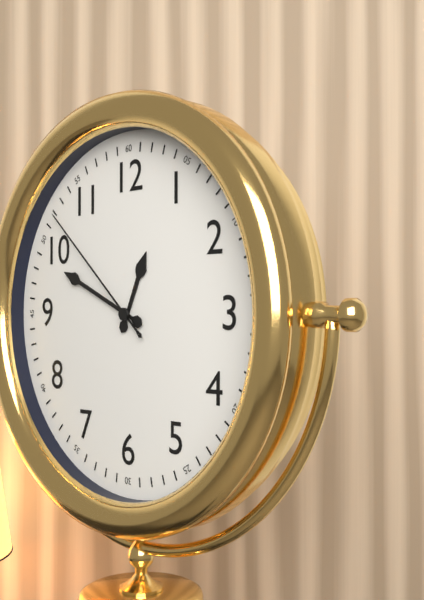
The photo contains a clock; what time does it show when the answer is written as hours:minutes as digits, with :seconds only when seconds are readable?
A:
12:49:52
